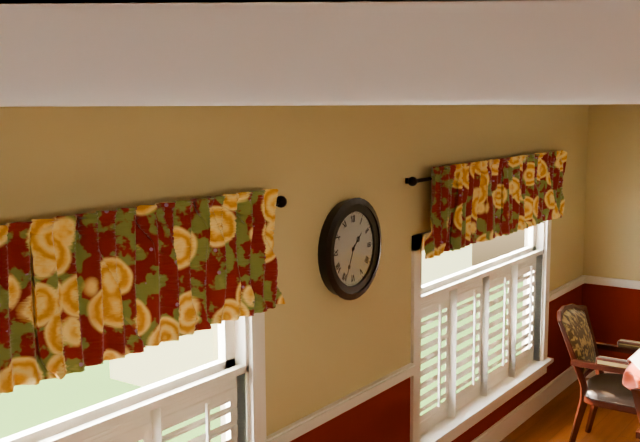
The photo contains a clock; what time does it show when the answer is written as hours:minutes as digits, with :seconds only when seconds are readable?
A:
1:34
